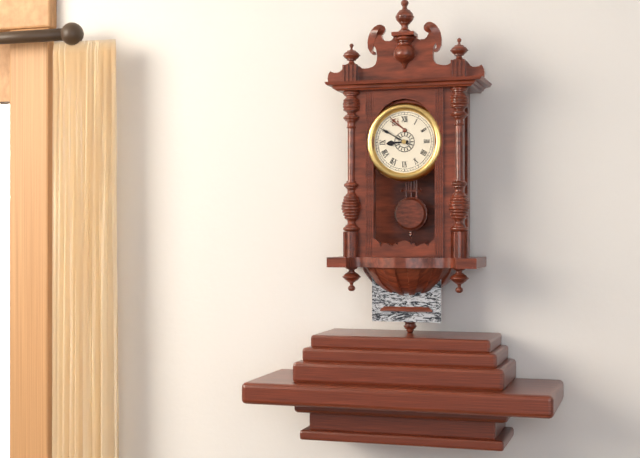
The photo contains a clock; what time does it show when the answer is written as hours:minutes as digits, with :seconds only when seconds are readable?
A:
8:50
